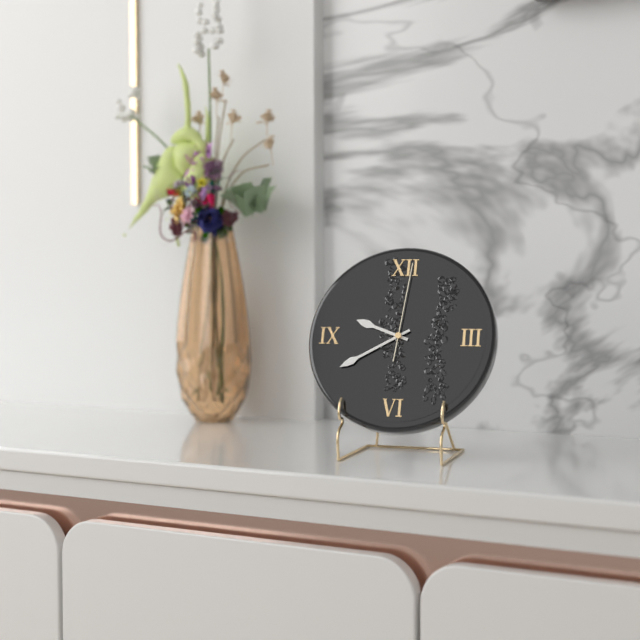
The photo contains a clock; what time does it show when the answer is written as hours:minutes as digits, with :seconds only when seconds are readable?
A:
9:40:01
